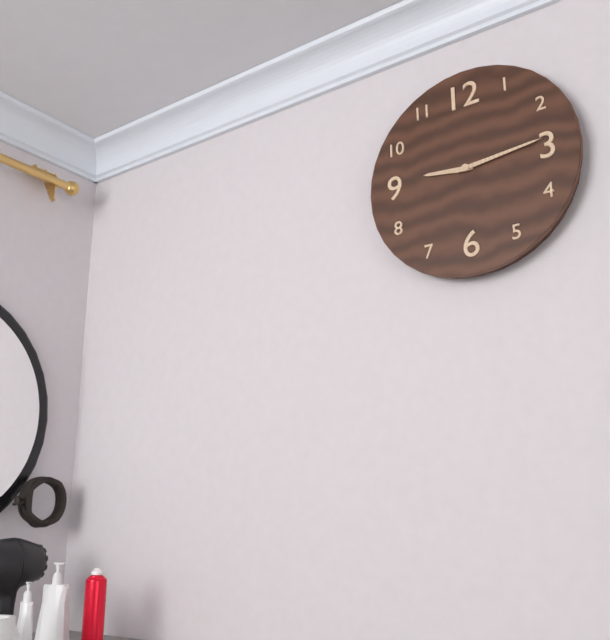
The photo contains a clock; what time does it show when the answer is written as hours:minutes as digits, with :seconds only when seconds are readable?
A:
9:14
